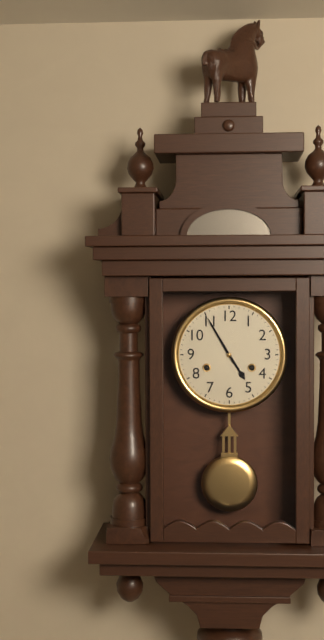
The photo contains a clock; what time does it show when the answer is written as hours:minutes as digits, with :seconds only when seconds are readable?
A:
4:55
